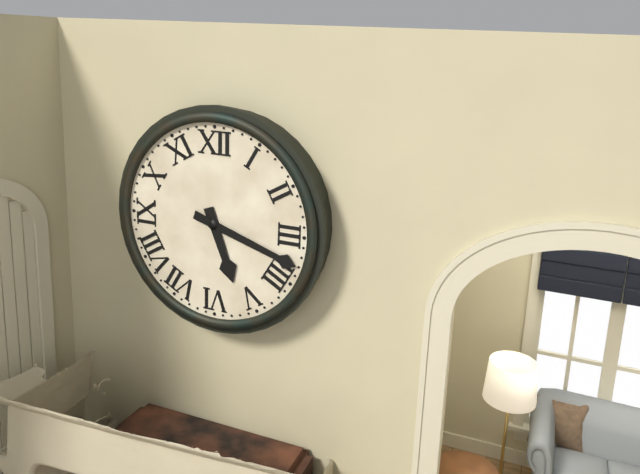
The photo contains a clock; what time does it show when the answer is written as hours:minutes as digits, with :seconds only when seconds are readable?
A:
5:18
